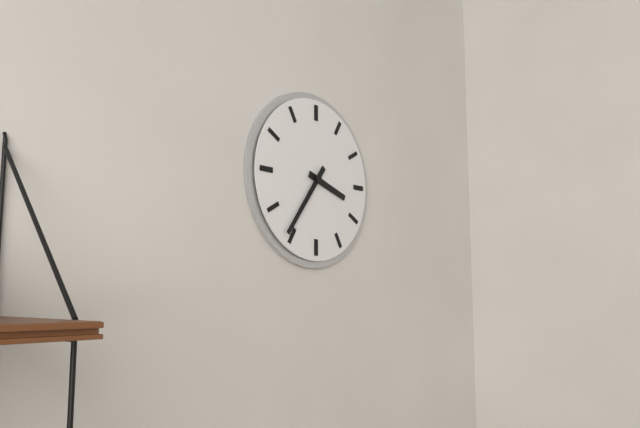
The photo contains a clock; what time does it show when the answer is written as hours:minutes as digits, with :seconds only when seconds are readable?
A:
3:36
